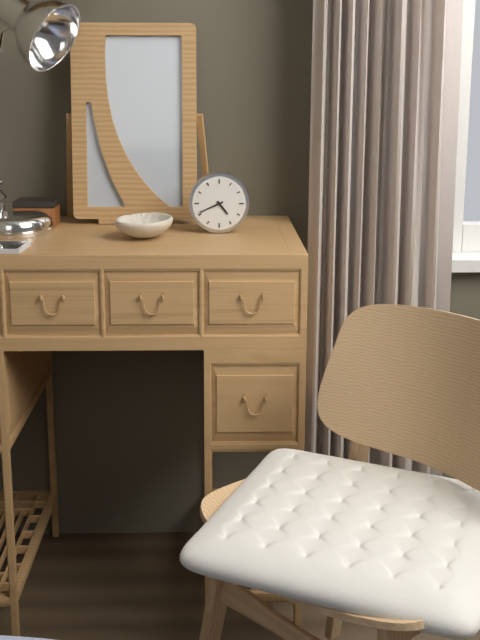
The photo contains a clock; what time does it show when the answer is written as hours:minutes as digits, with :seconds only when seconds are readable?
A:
4:41
